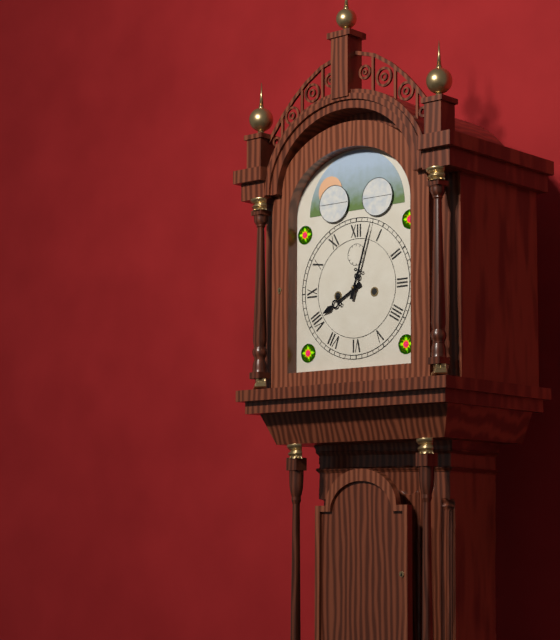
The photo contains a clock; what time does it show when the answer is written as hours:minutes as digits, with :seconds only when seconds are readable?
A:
8:03
